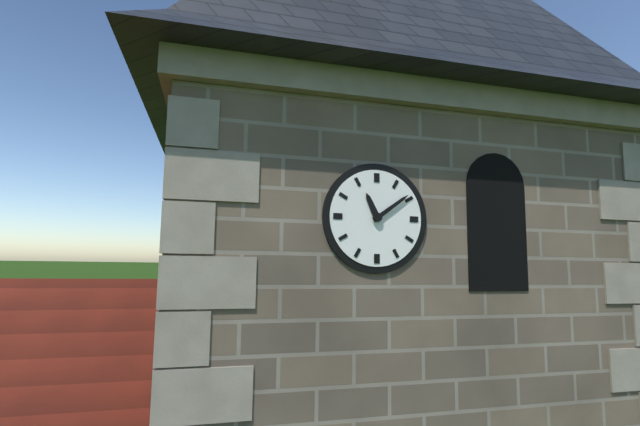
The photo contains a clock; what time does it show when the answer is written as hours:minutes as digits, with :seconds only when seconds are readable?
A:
11:09
